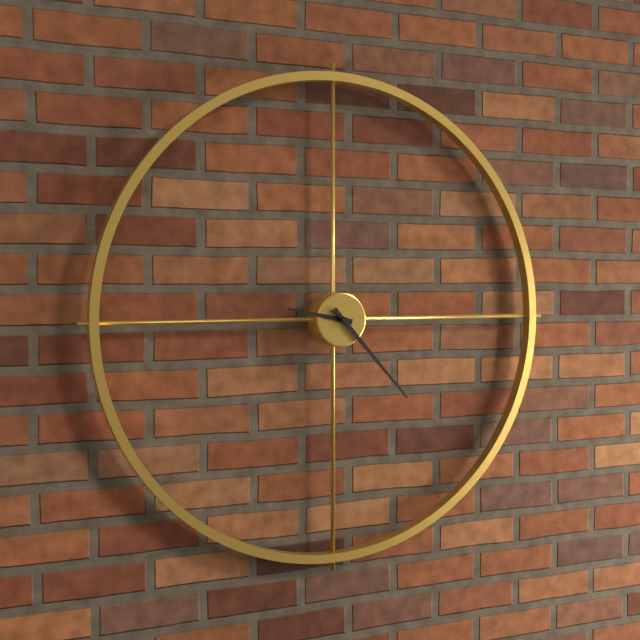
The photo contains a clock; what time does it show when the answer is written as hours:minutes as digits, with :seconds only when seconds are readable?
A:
9:23
